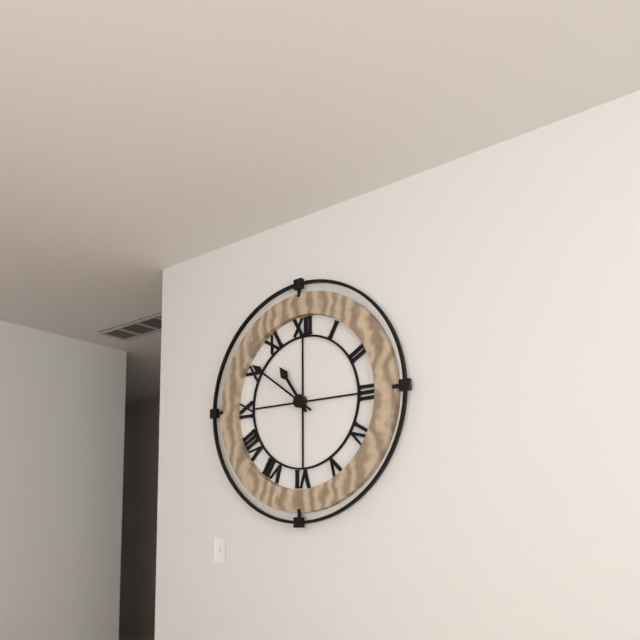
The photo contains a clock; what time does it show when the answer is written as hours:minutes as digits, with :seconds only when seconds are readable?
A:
10:51
